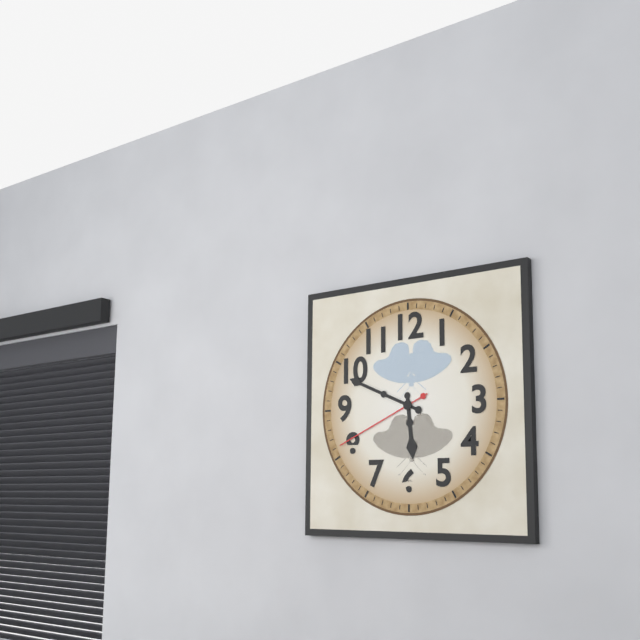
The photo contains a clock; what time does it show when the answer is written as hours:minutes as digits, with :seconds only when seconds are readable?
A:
5:49:41
